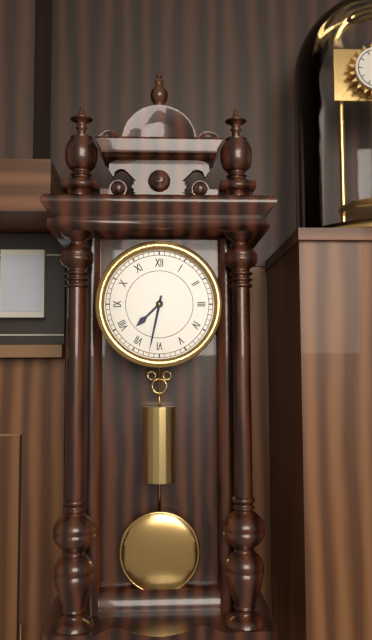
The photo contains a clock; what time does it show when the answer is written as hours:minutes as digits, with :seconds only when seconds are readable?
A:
7:32
